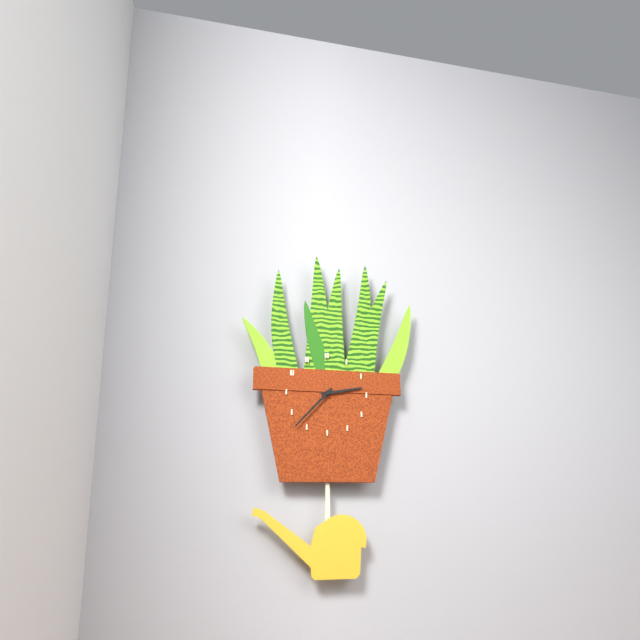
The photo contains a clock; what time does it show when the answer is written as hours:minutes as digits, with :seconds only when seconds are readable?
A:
2:37
